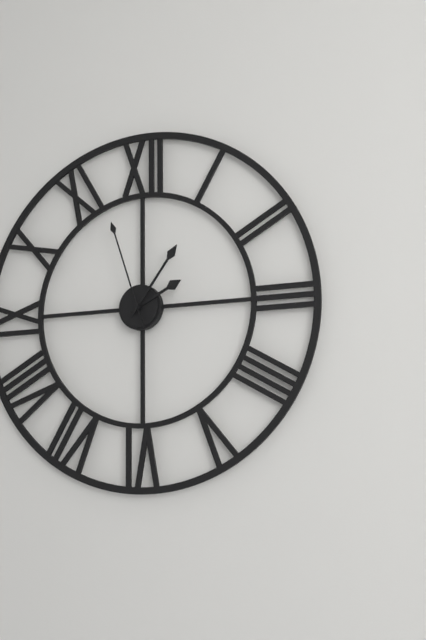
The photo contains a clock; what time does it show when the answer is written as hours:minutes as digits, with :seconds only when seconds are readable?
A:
2:06:57
